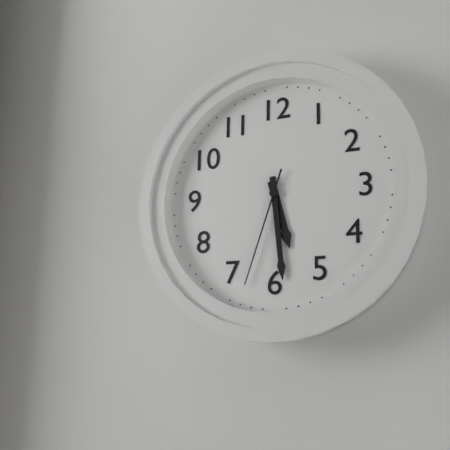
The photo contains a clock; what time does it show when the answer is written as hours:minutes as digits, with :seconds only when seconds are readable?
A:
5:29:33
